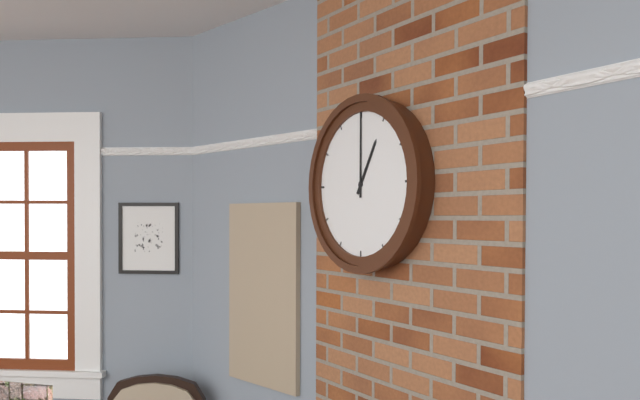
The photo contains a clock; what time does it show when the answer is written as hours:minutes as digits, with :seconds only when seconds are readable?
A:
1:00
